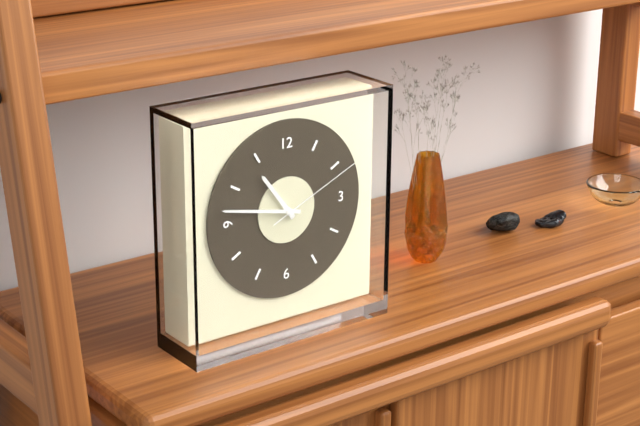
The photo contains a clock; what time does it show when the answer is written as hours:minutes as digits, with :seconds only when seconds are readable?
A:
10:47:11
